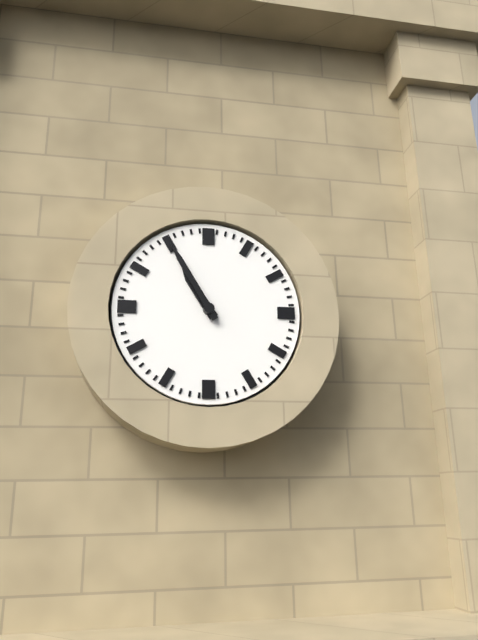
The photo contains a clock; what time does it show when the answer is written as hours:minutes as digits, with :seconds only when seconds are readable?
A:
10:55
